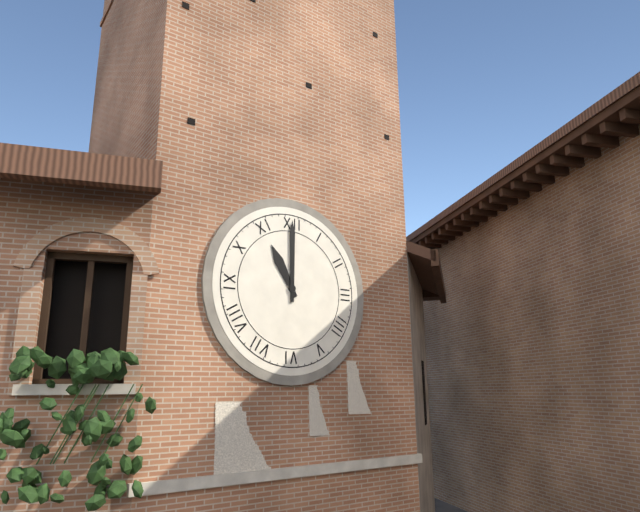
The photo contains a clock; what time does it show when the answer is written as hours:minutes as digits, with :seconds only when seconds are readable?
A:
11:00
